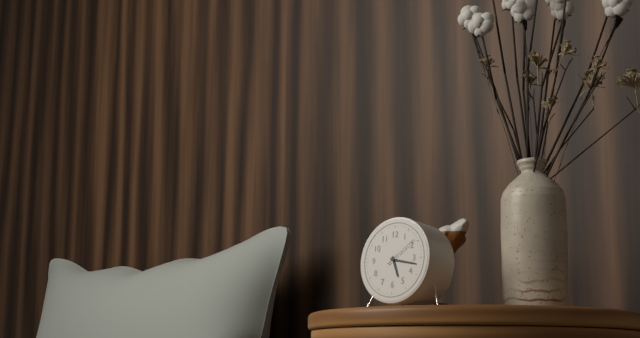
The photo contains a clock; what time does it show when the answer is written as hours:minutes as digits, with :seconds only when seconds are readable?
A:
5:17
